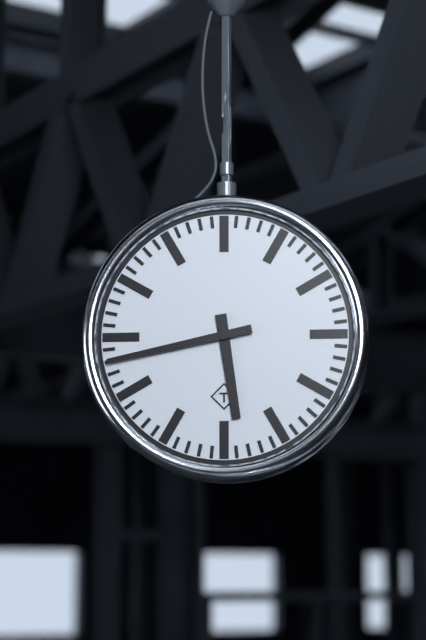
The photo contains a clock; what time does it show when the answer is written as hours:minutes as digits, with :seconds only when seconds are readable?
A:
5:43
